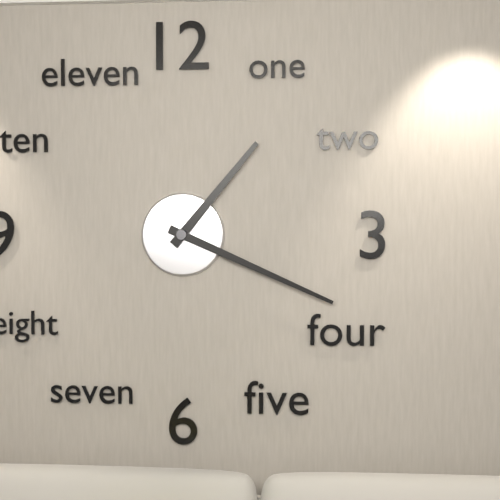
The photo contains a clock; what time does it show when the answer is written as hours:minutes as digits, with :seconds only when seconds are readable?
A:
1:19
